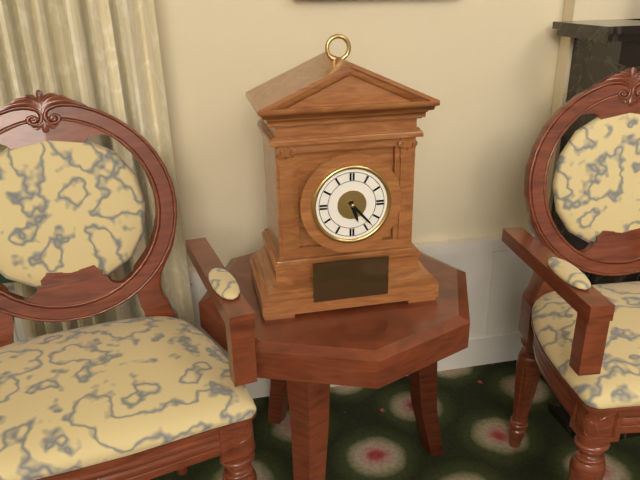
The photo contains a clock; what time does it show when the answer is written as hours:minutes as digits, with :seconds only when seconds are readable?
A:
5:23
